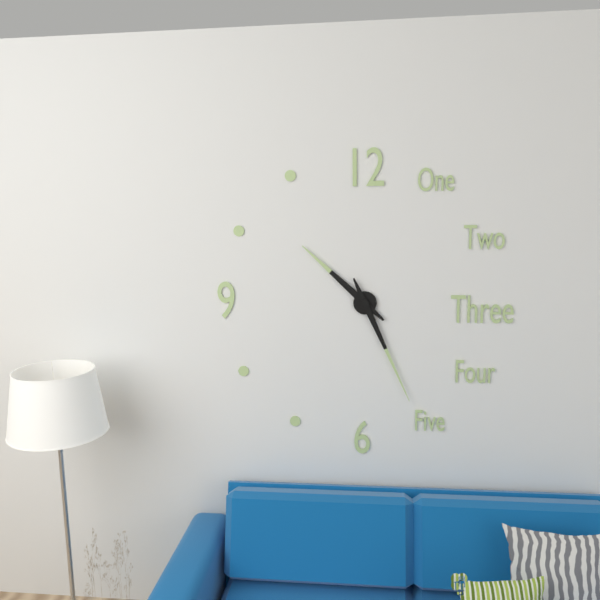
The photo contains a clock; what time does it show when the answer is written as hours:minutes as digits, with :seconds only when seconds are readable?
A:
10:26
